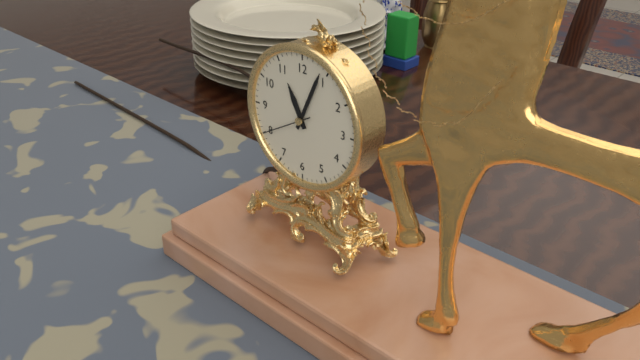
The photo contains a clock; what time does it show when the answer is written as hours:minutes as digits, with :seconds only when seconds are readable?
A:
11:04
